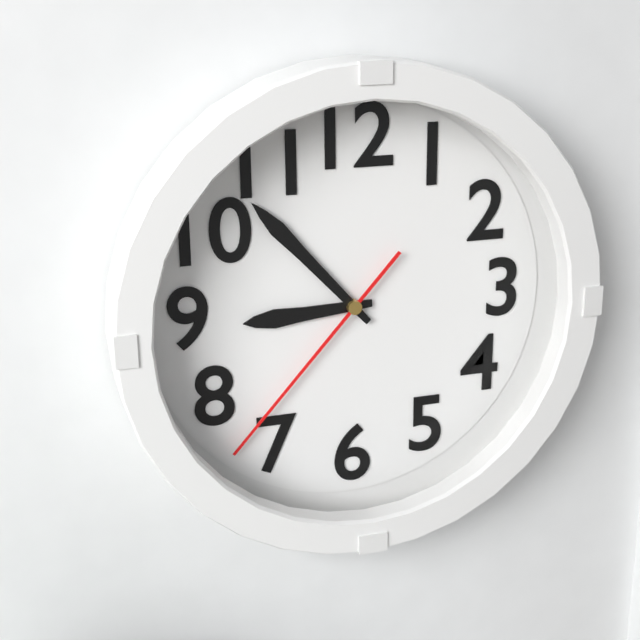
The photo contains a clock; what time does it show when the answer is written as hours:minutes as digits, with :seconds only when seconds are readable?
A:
8:53:37
